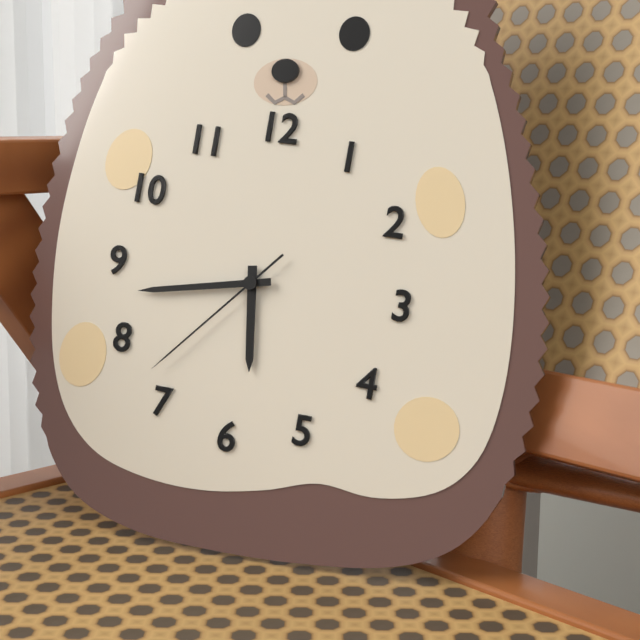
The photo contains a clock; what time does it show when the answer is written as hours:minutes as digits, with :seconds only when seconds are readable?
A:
5:43:37
